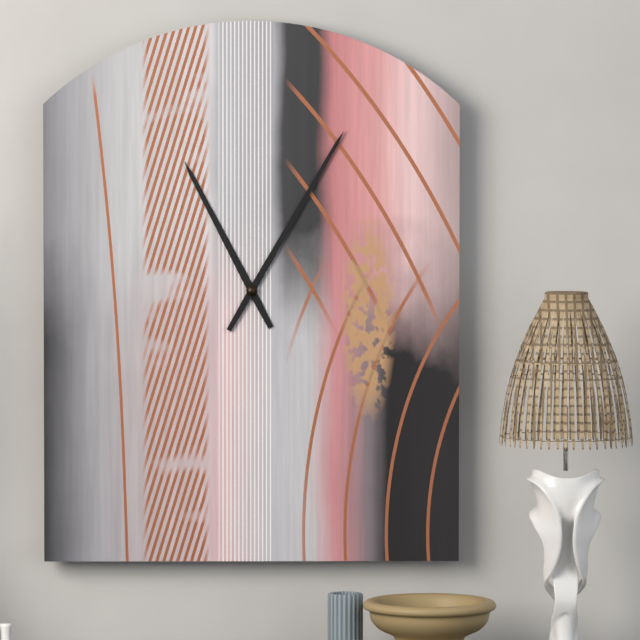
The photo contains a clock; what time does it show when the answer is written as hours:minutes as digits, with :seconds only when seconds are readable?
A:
11:05
